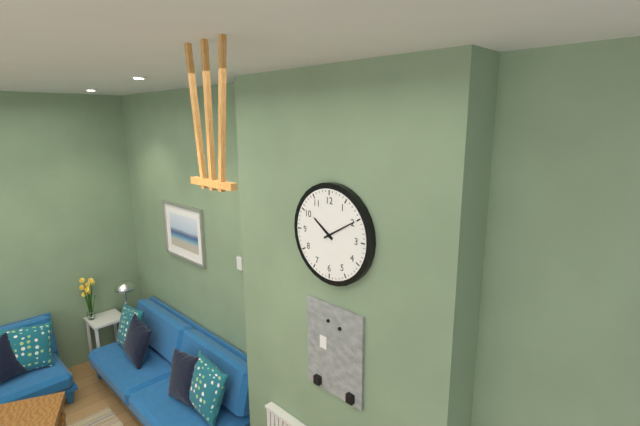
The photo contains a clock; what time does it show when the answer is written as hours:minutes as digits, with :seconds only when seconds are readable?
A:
10:10
